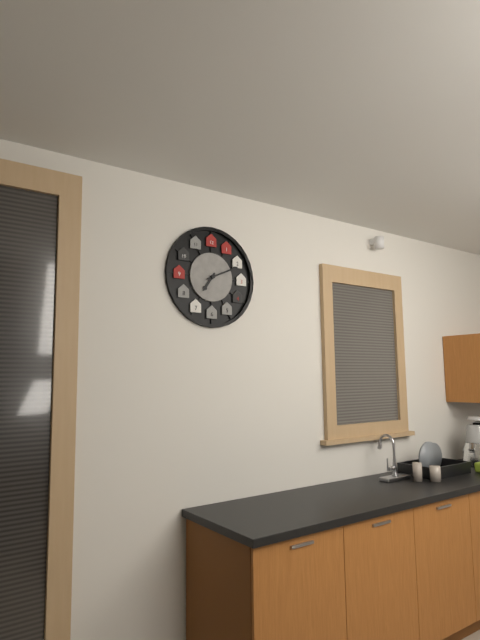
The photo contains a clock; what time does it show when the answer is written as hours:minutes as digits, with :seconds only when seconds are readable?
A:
7:11
